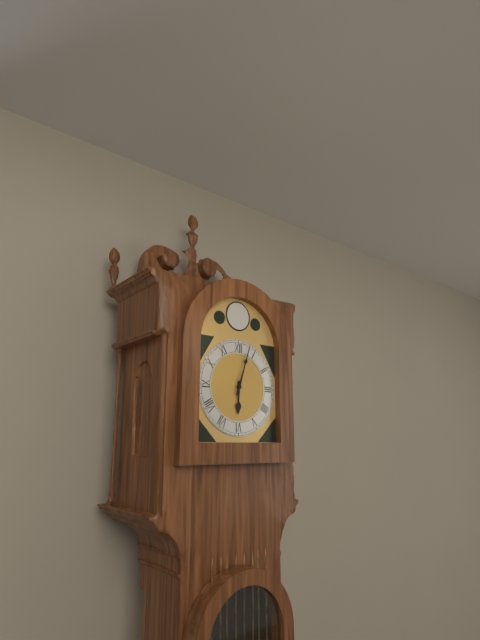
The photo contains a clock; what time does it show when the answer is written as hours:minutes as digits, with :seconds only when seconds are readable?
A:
6:03
